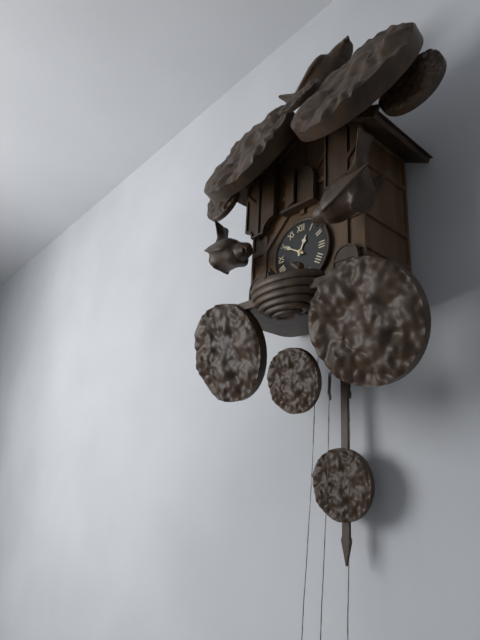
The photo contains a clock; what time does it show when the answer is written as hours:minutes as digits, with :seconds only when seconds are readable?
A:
12:50
